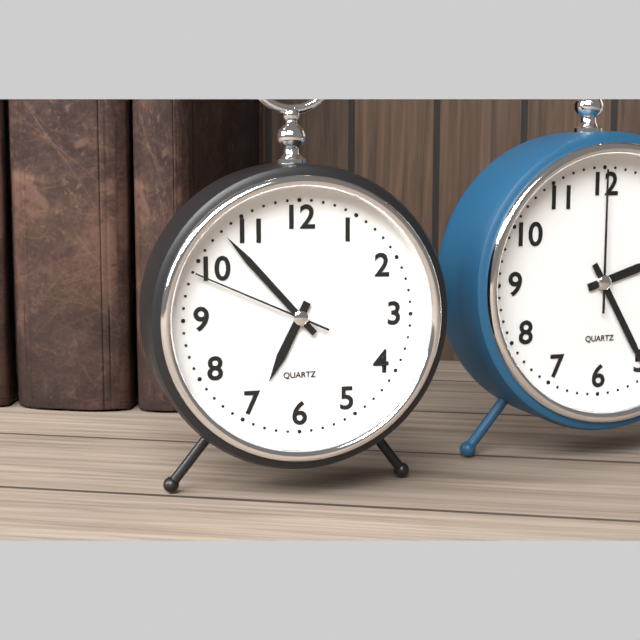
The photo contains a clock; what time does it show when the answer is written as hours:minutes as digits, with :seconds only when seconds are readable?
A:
6:53:49
